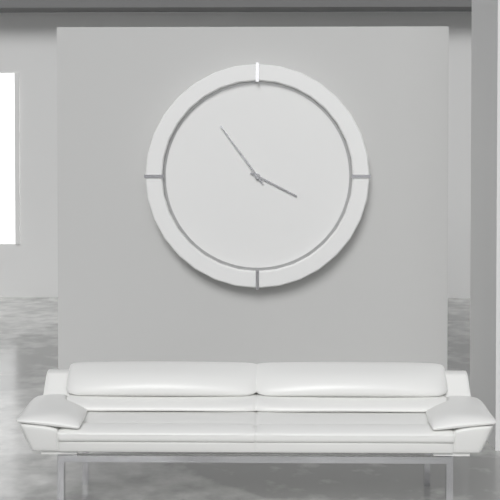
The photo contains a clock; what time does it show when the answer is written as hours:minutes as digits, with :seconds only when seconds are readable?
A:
3:54
